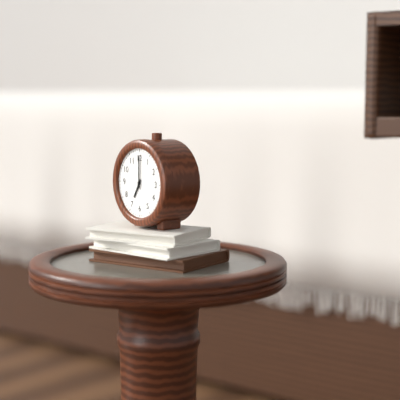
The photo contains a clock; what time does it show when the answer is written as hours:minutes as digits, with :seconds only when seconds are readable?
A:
7:00
